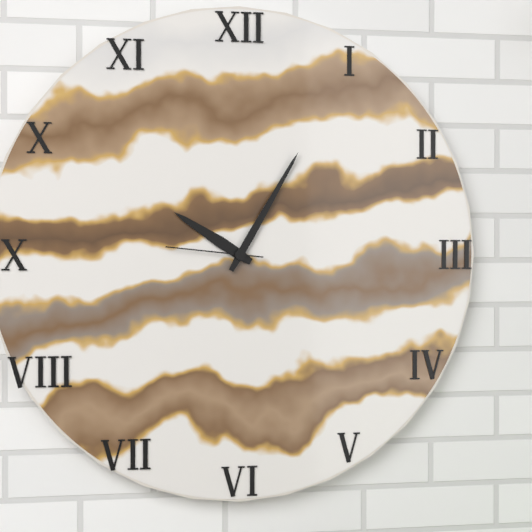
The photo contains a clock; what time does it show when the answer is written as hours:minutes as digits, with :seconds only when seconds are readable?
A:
10:05:46
